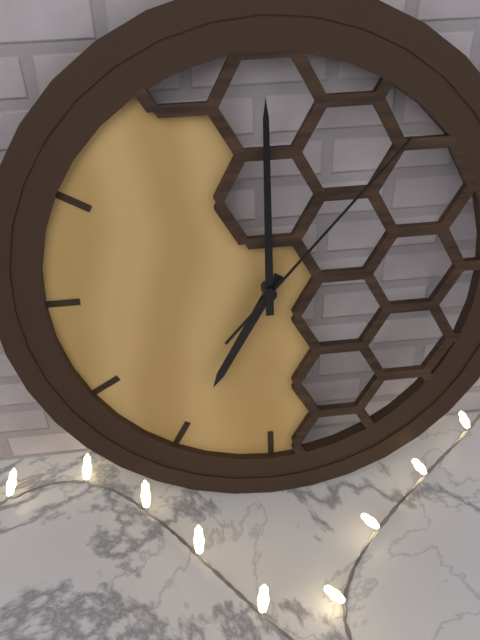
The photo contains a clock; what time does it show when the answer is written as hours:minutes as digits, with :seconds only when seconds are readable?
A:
7:00:07
